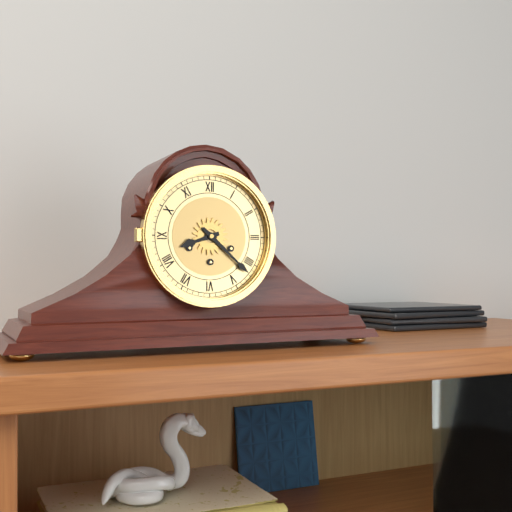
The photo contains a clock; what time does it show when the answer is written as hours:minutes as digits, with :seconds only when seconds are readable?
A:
8:22
